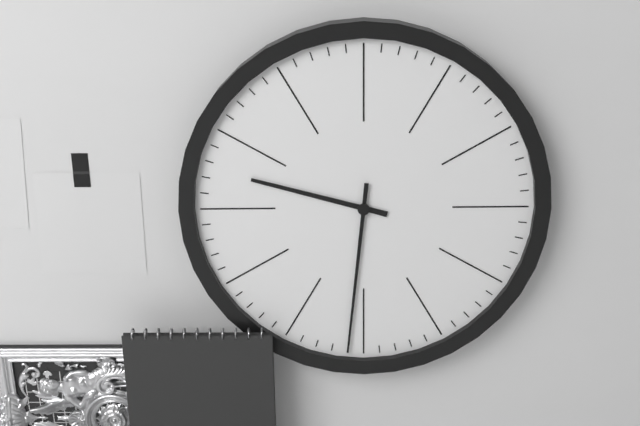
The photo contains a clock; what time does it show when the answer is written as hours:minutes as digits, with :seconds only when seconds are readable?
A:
9:31
